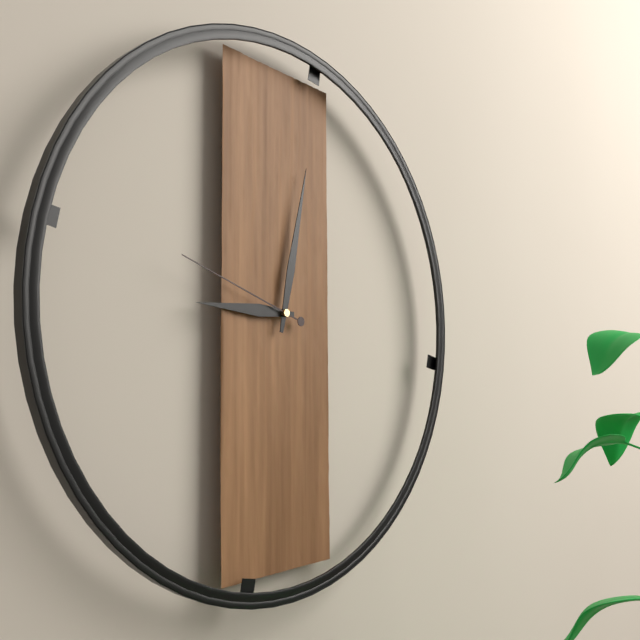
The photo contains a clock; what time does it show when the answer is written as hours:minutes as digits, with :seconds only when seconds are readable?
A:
9:02:48
